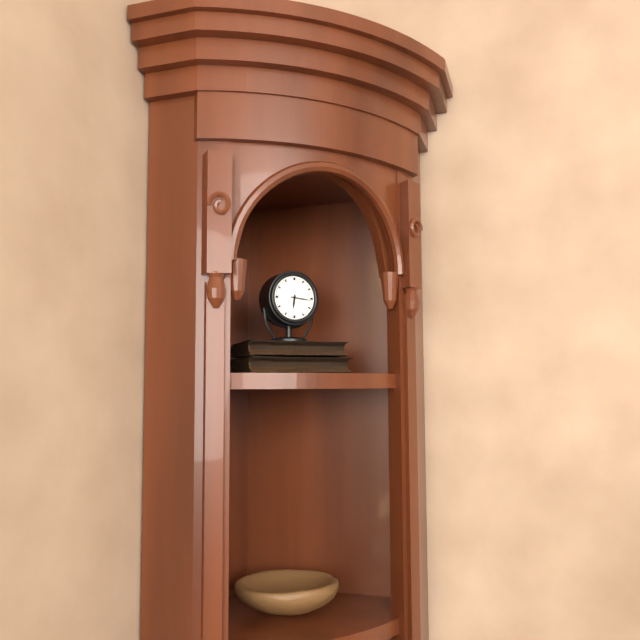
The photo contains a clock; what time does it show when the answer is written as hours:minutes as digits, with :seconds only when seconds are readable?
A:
6:16
